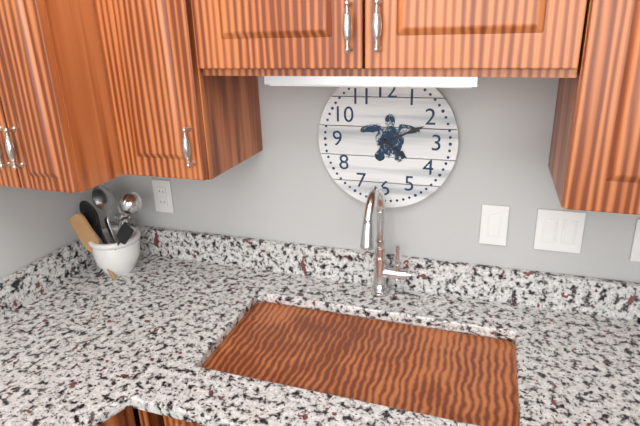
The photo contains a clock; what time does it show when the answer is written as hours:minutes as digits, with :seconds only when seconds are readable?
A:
4:11
